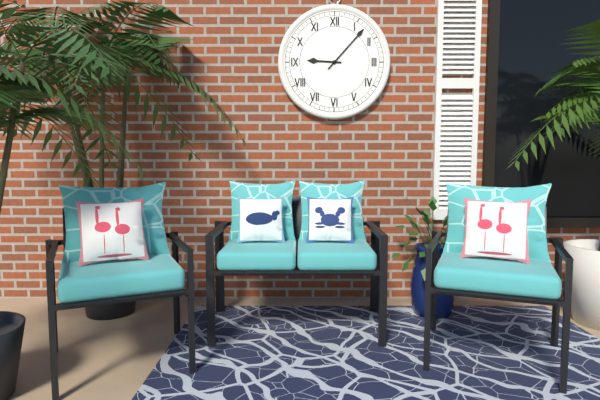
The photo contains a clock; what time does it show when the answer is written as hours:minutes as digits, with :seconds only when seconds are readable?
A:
9:07
